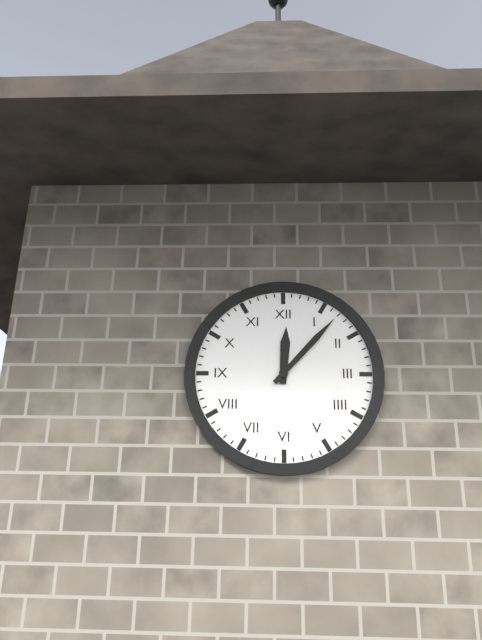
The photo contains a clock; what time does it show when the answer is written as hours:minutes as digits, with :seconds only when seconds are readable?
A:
12:07
